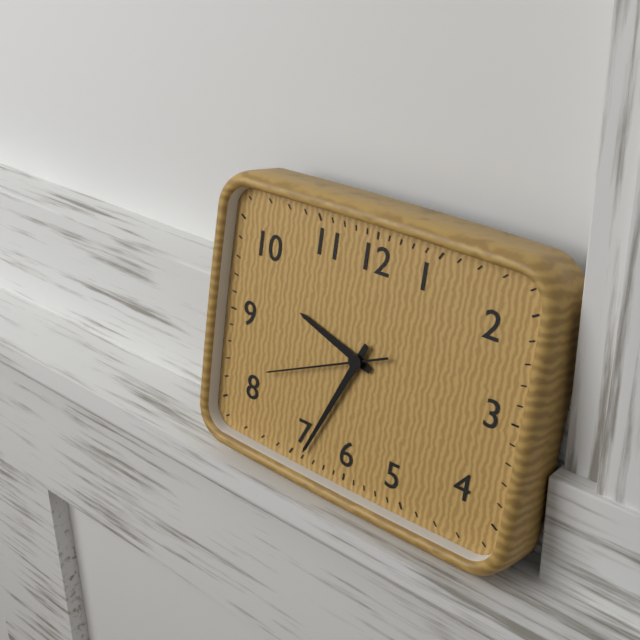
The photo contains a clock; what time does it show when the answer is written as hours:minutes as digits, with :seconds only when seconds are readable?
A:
9:34:41
